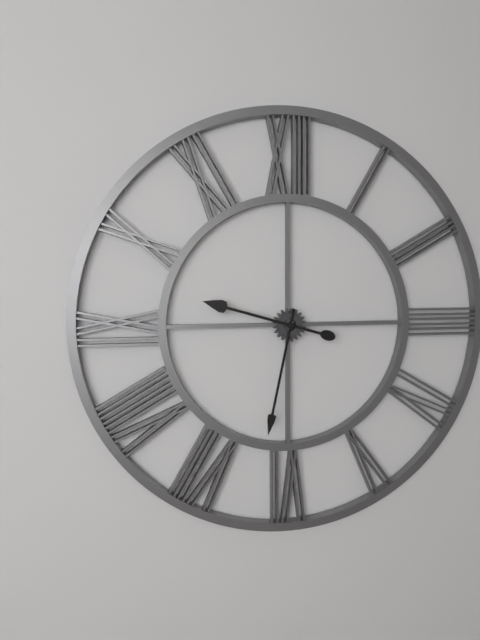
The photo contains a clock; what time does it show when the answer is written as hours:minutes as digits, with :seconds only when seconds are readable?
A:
9:32
